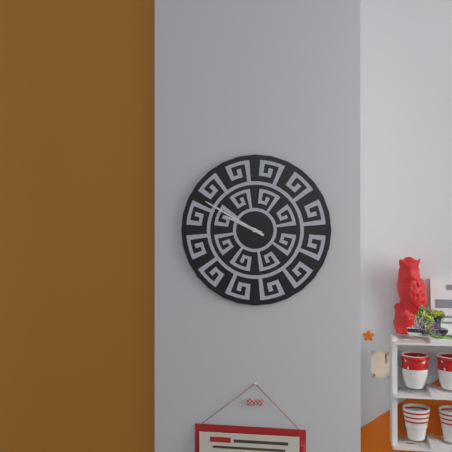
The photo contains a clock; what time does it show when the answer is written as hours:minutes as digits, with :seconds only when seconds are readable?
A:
9:50
